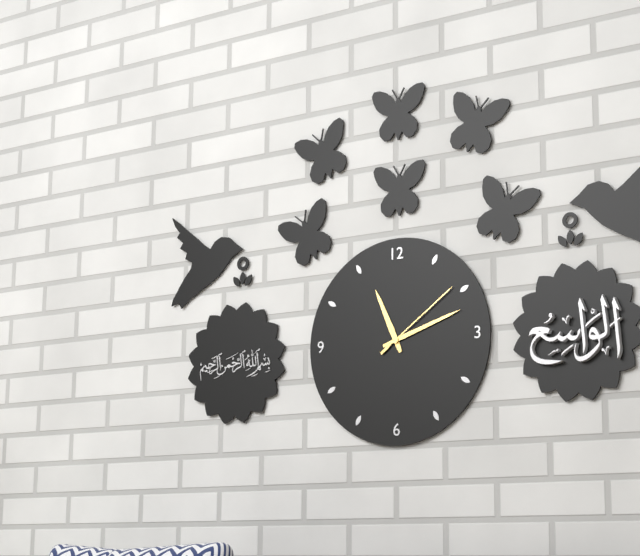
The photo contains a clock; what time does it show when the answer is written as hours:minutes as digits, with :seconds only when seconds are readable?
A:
11:12:09
